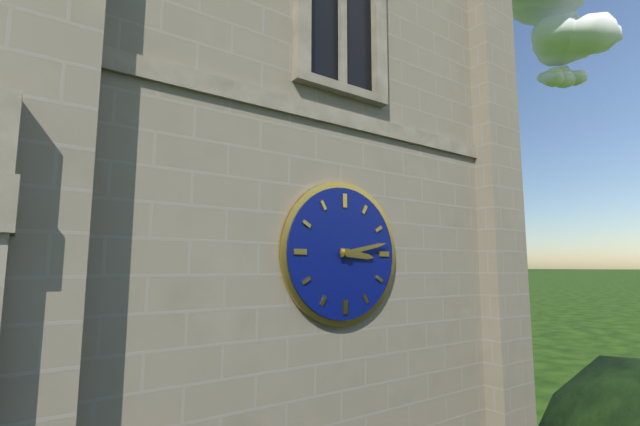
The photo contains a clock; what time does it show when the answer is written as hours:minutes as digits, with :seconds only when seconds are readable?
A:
3:13
